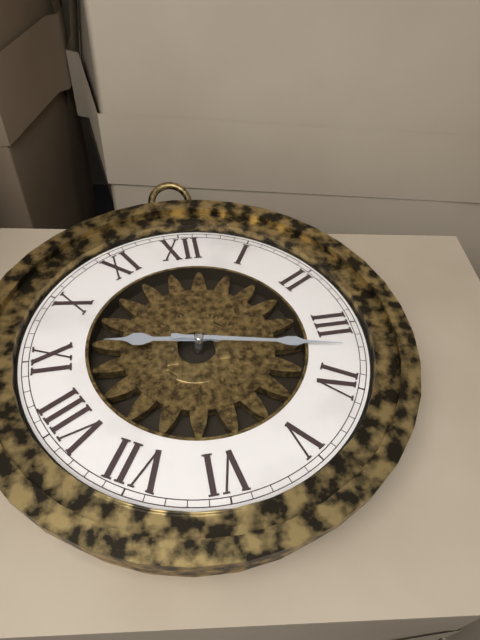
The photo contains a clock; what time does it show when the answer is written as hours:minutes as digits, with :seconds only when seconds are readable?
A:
9:17
